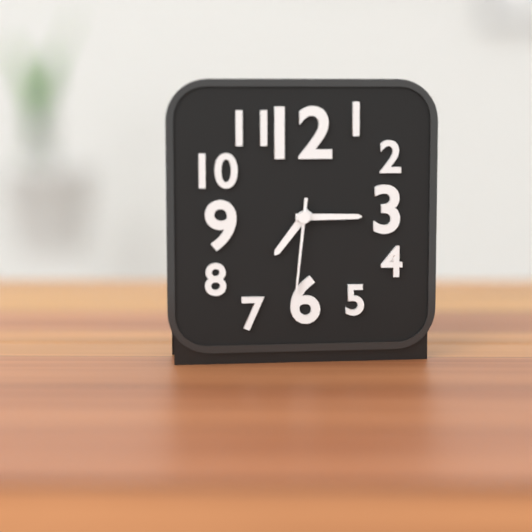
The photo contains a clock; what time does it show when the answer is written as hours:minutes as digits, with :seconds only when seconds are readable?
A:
7:15:31
